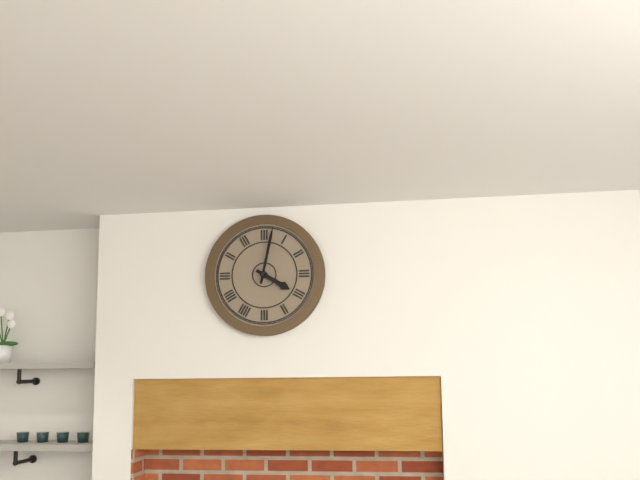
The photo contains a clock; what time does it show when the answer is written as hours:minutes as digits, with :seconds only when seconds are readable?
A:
4:02
